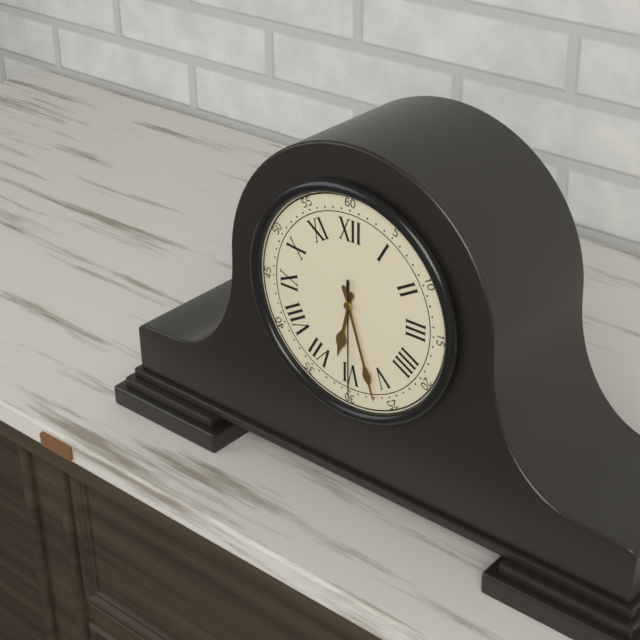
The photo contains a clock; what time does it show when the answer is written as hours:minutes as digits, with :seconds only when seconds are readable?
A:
6:27:30
